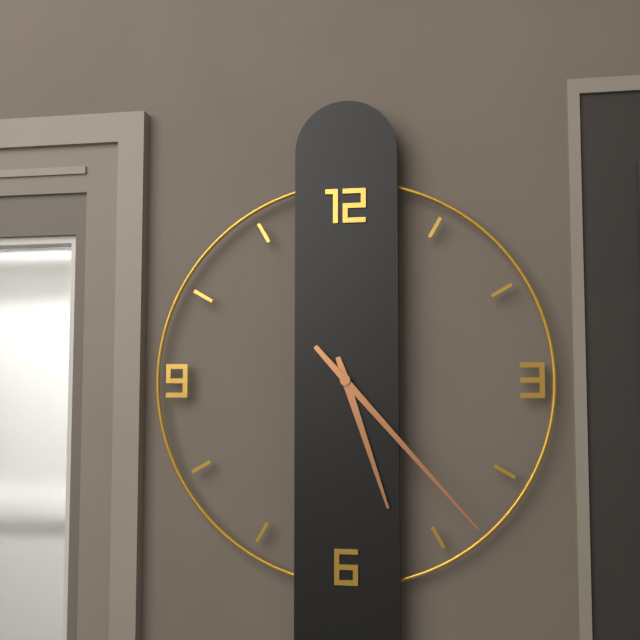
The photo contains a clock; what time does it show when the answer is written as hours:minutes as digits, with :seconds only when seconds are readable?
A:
5:23
